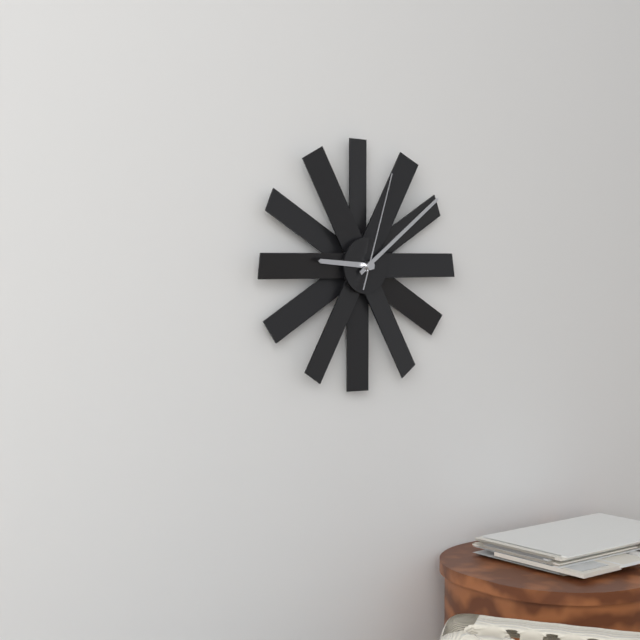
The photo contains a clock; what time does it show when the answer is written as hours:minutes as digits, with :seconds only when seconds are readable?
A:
9:09:03
